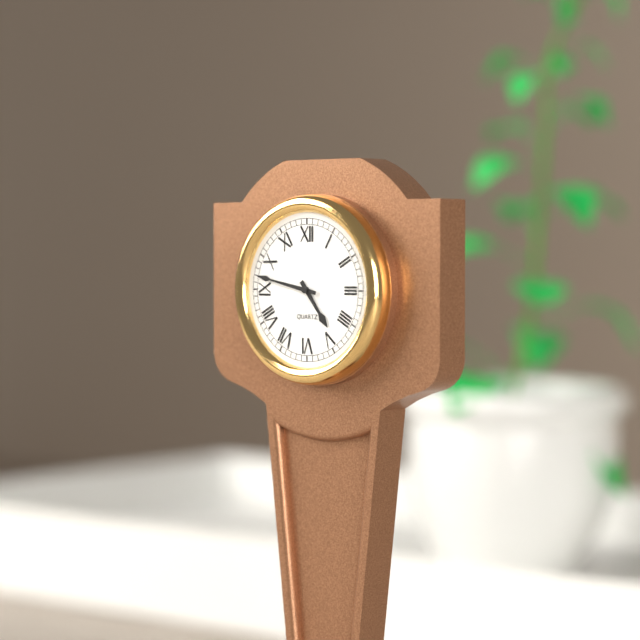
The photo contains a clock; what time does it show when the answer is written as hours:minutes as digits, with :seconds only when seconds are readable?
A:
4:47
